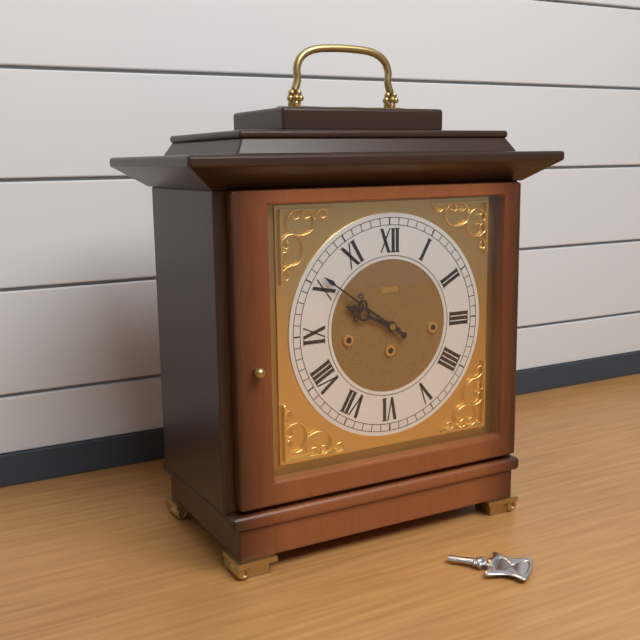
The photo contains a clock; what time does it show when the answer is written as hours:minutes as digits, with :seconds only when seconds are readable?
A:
9:51
